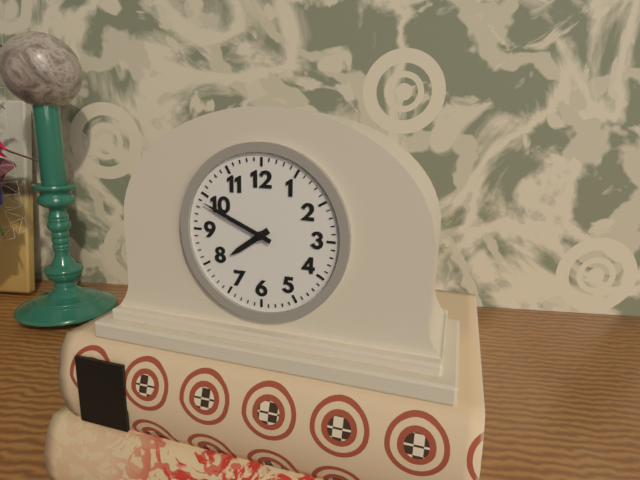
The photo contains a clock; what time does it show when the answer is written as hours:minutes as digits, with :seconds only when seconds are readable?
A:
7:49
